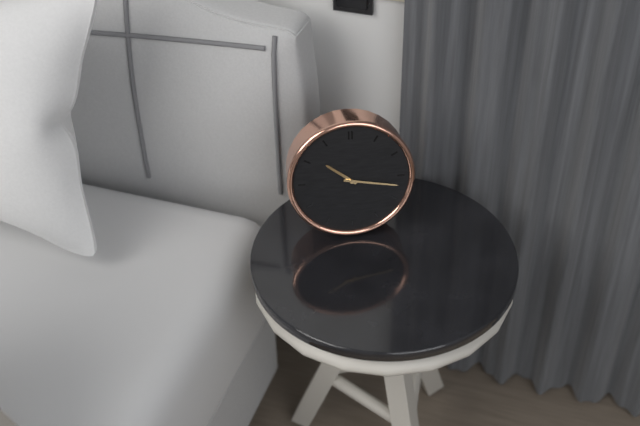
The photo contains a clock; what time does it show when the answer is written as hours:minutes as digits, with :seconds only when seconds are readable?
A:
10:17
